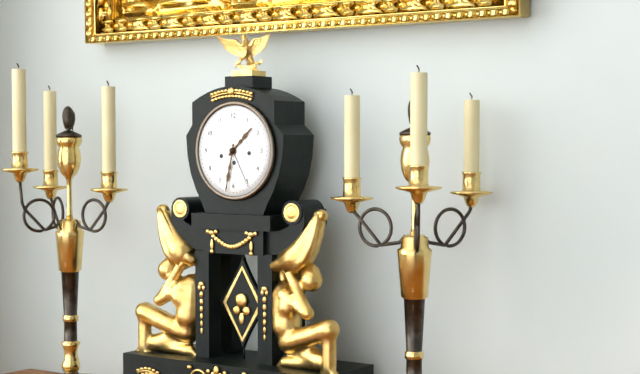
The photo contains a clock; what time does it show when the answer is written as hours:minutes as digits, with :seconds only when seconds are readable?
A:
1:32
